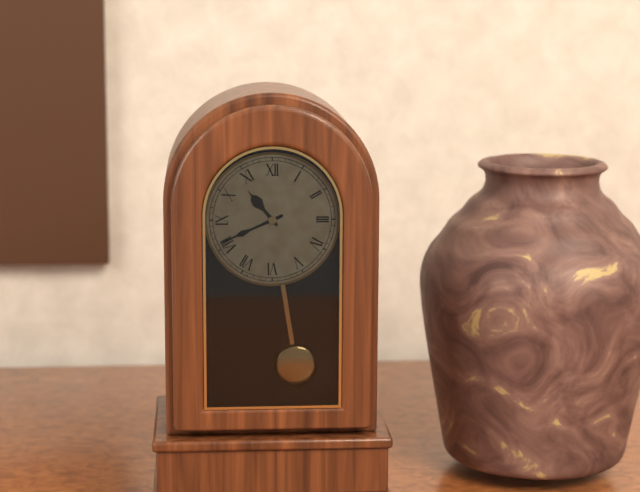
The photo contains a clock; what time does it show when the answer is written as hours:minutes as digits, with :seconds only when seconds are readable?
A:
10:41
